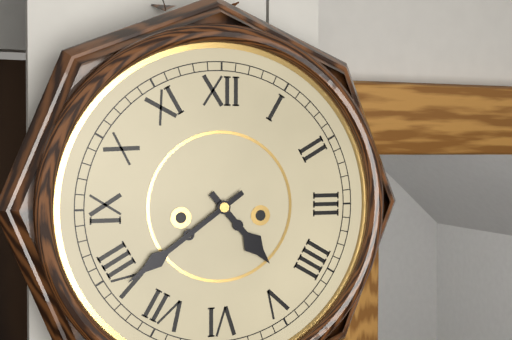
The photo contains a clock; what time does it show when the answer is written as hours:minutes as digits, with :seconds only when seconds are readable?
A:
4:39
